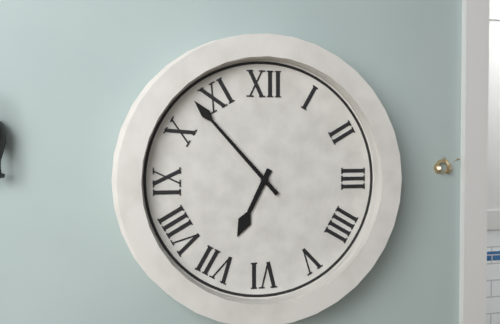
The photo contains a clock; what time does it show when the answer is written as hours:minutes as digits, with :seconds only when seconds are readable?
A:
6:53
